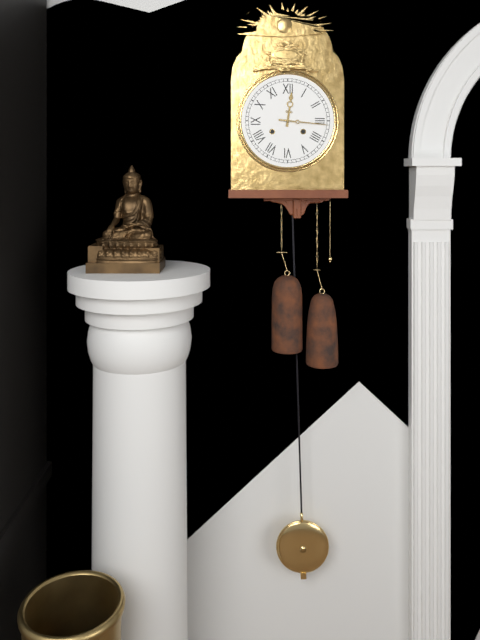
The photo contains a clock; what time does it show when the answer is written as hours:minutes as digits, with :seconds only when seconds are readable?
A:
12:16
